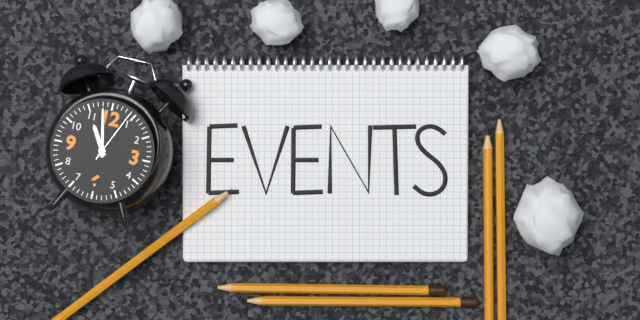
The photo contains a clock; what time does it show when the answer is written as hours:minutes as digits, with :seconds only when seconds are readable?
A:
10:58:04
